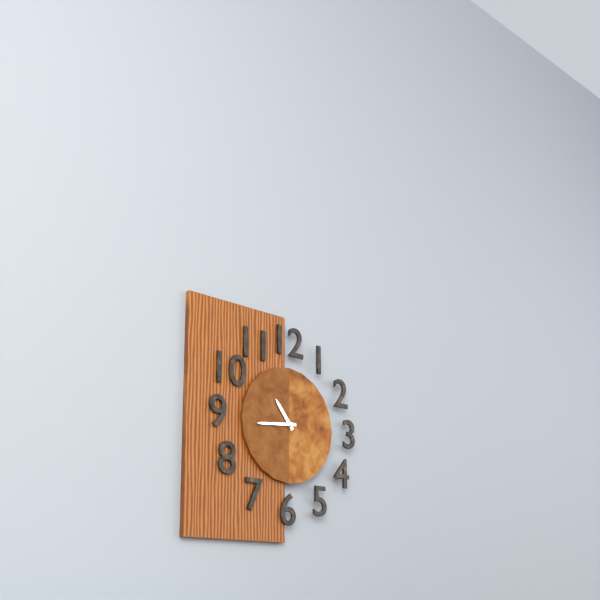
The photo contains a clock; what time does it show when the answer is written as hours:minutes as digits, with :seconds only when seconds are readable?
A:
10:44
